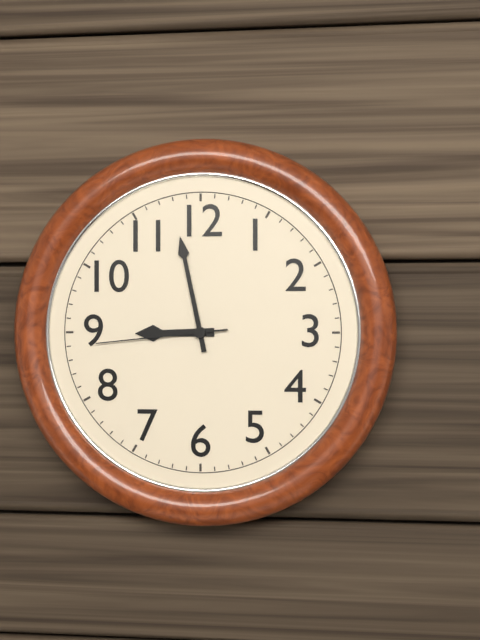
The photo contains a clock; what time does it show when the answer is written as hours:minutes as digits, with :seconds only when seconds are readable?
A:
8:58:44
